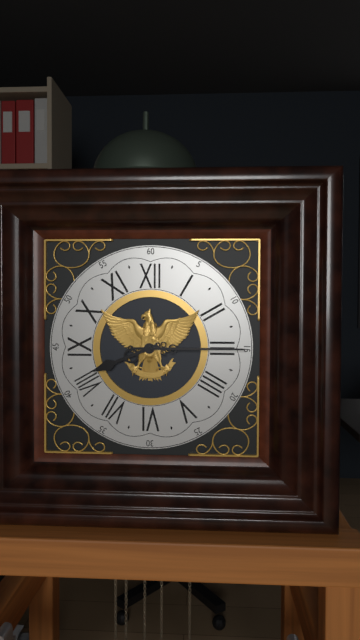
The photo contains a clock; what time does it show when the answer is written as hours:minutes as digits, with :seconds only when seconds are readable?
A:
8:15
